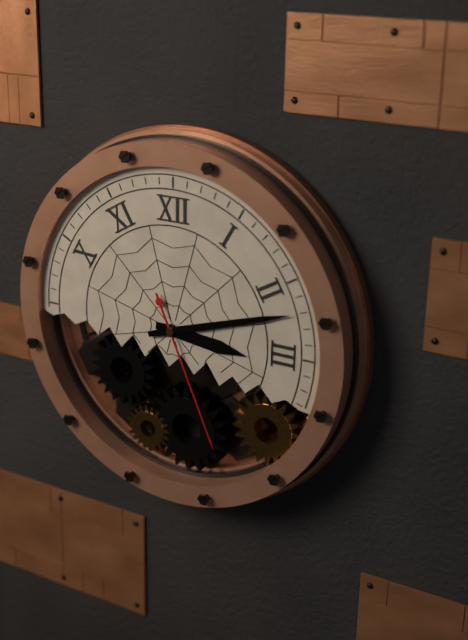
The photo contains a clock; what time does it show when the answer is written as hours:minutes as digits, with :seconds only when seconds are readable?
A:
3:12:26
